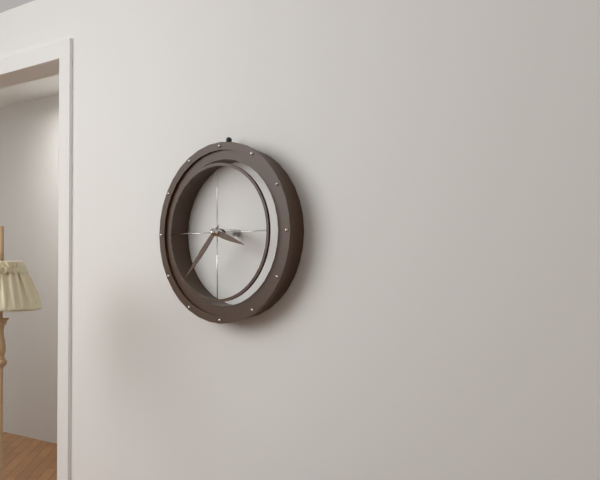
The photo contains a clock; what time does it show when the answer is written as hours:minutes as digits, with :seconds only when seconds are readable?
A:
3:37
